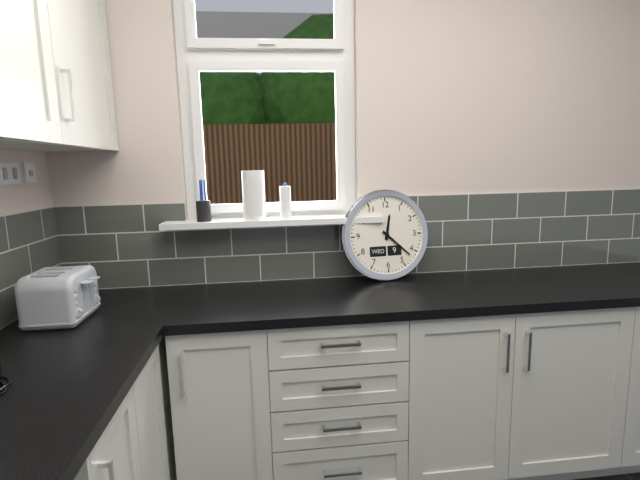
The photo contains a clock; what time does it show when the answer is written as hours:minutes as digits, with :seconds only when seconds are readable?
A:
12:22
